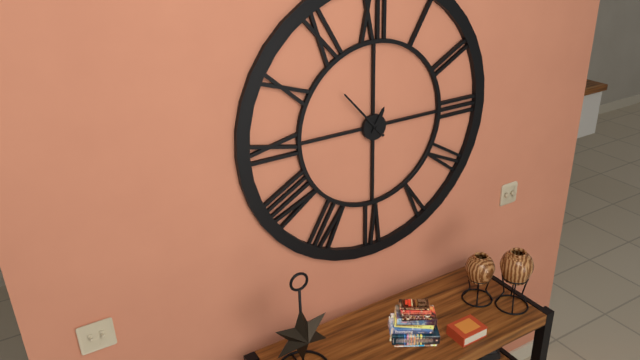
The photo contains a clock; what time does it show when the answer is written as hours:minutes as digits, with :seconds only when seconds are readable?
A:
12:53
